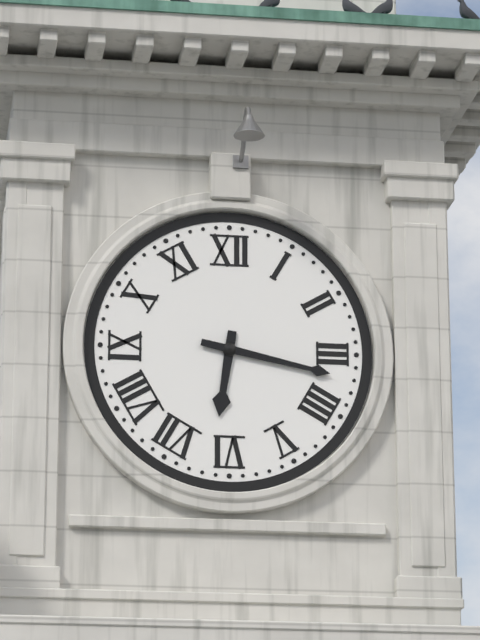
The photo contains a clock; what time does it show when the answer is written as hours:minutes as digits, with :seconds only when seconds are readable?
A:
6:17
